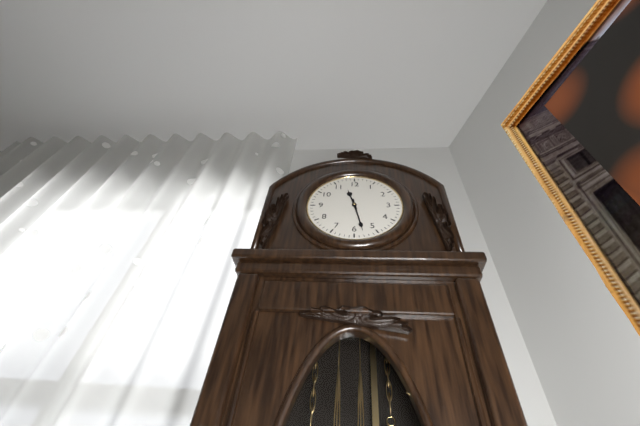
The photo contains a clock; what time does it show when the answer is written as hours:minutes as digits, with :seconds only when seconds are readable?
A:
11:28
